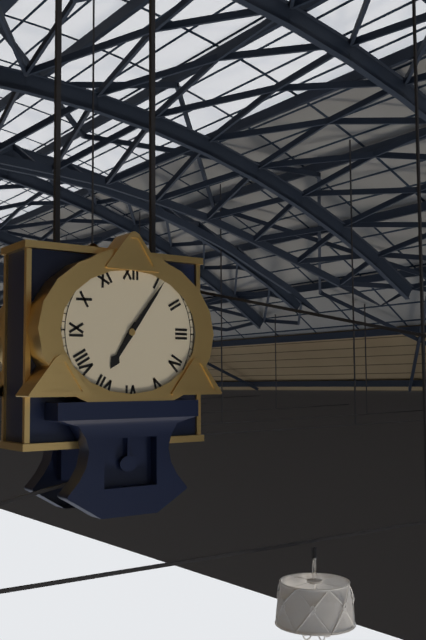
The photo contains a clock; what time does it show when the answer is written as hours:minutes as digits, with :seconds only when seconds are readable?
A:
7:06
